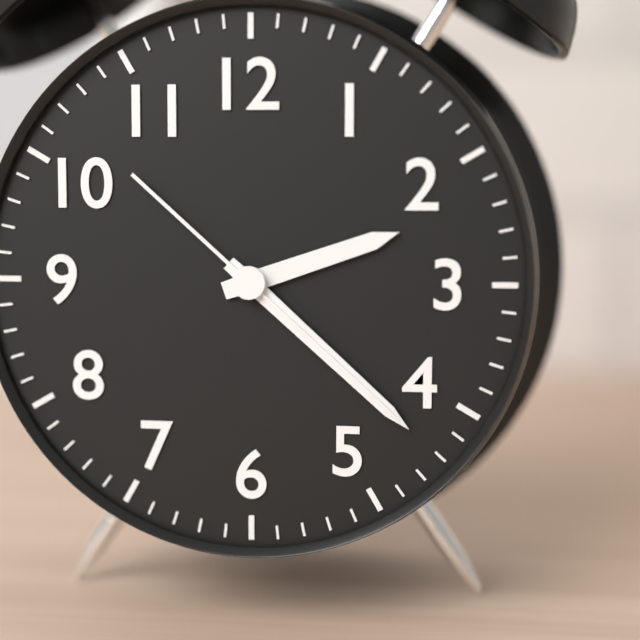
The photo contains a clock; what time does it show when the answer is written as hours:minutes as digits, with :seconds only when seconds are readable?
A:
2:22:22
